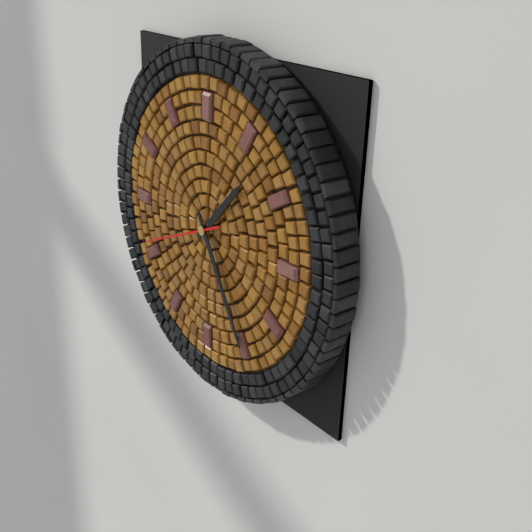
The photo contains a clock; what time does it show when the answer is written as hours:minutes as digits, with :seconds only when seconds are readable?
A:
1:25:41
